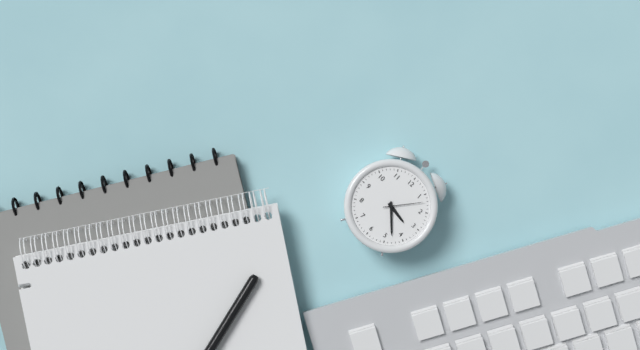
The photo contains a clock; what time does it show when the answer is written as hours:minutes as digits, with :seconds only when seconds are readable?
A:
3:23
